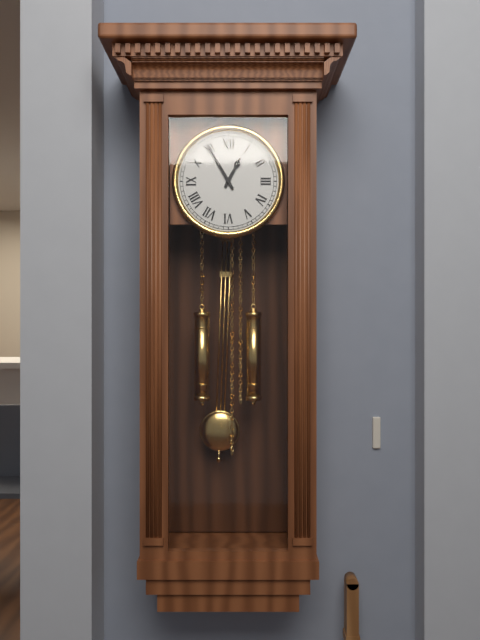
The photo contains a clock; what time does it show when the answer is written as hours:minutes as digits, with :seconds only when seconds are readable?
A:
12:55
